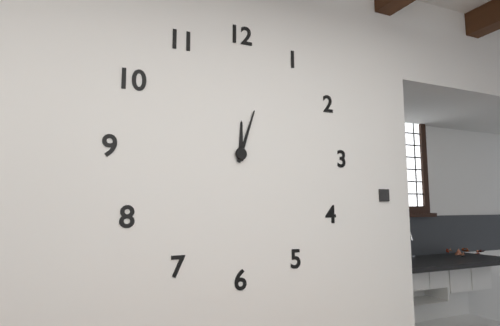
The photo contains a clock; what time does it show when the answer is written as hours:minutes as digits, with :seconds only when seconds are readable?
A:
12:03
